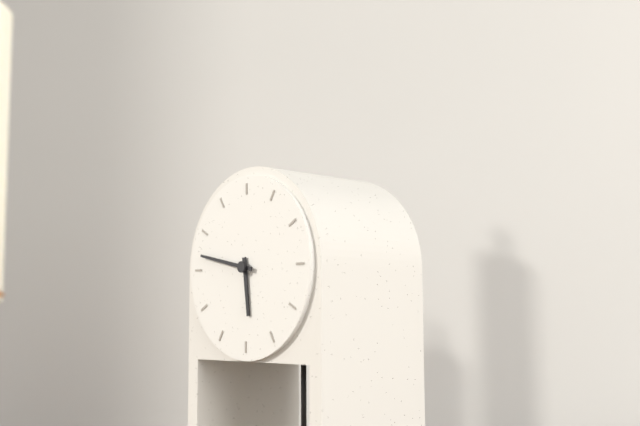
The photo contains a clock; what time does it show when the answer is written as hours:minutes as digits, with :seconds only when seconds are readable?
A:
5:47
